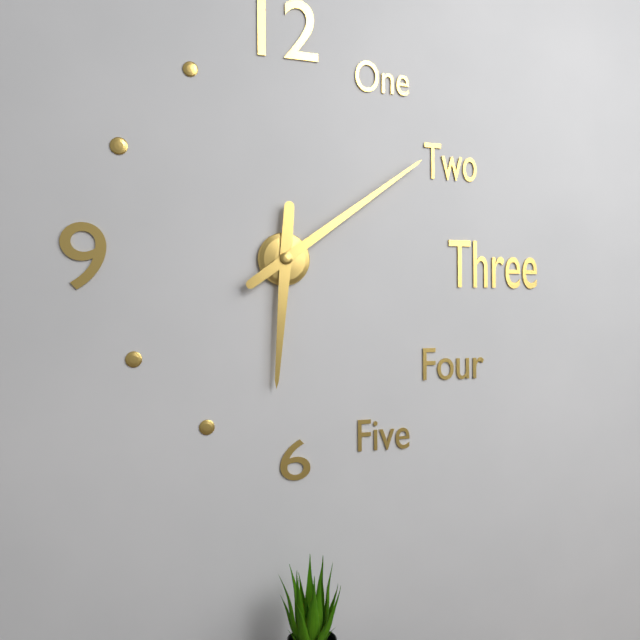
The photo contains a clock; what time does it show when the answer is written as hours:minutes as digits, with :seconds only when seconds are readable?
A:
6:09
